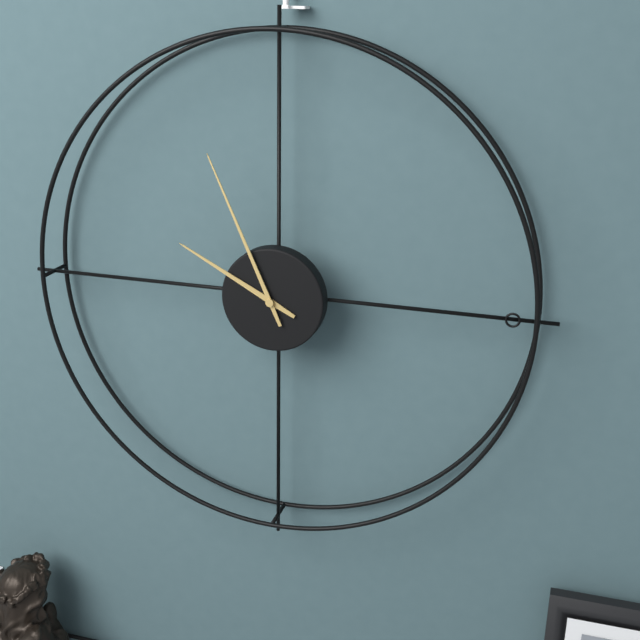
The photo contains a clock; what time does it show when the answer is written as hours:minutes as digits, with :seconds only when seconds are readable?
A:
9:56
